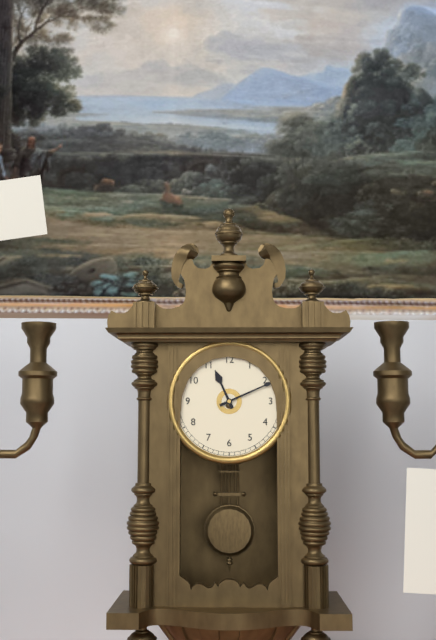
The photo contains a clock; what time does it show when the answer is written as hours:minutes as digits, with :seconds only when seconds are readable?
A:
11:11
